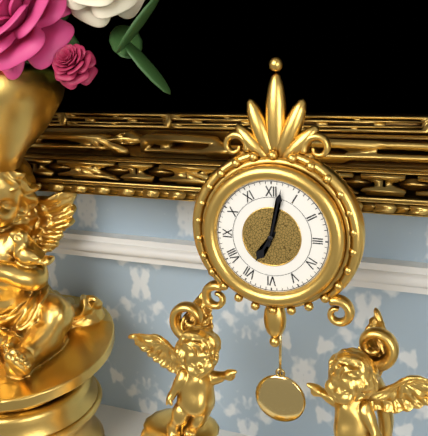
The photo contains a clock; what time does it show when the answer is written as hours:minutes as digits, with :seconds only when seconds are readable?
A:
7:02
